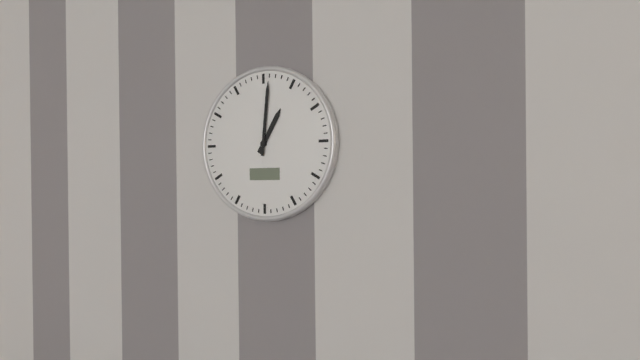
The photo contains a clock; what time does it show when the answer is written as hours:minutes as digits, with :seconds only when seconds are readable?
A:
1:01
